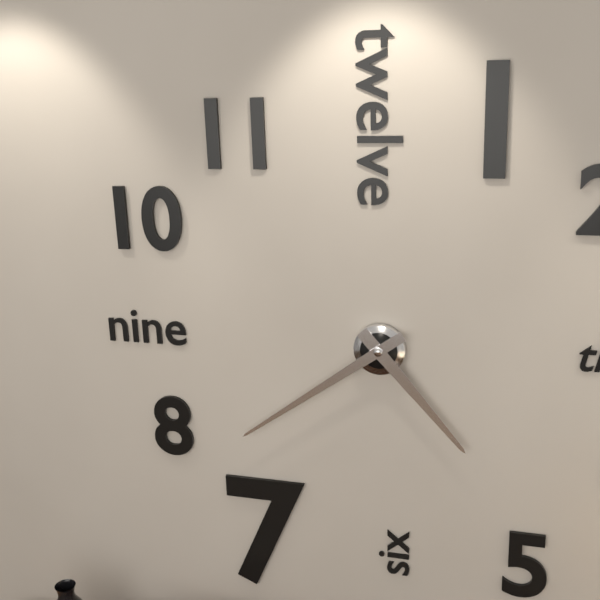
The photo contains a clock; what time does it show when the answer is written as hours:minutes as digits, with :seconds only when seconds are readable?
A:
4:39
